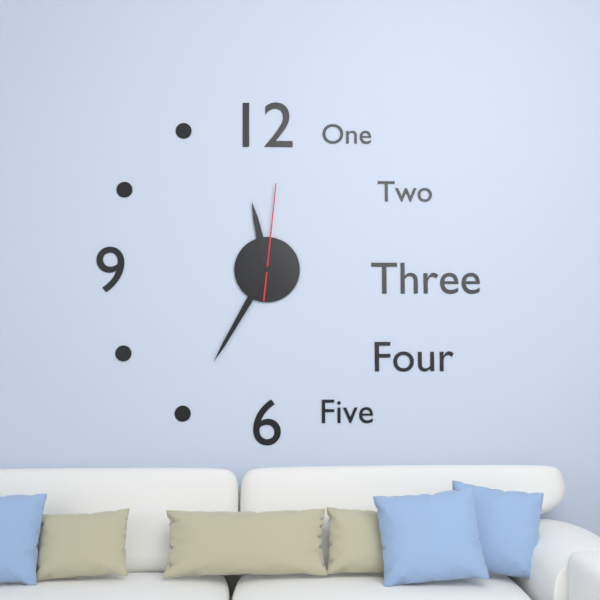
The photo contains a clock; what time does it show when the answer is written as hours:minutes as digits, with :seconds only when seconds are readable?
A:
11:35:01
